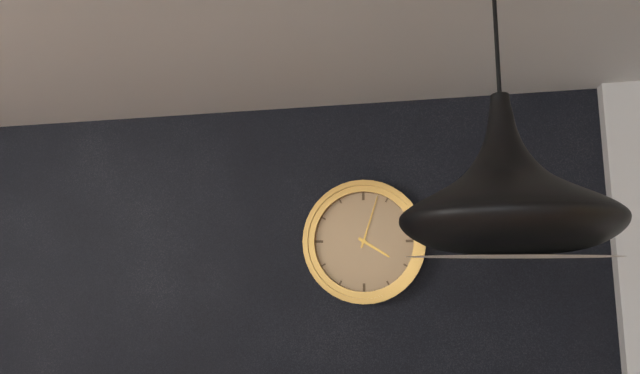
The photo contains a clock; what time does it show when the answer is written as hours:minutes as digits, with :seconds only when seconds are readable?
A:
4:03
